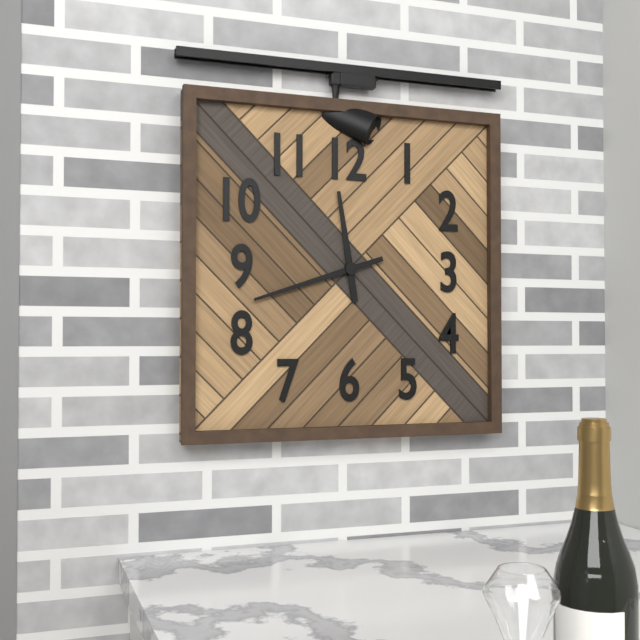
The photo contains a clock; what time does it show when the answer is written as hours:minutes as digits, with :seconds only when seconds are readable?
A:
11:42
